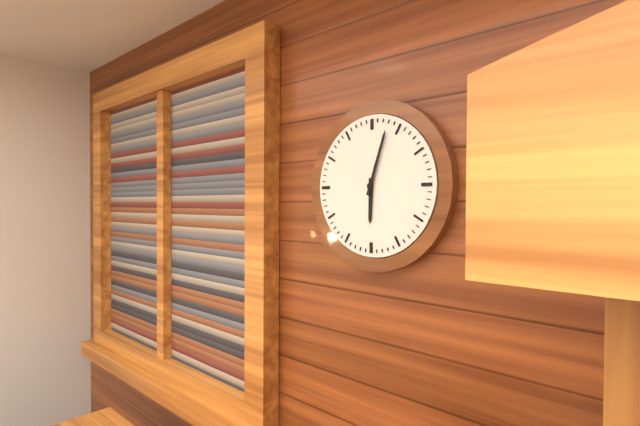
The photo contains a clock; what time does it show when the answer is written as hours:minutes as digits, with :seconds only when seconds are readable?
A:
6:03
